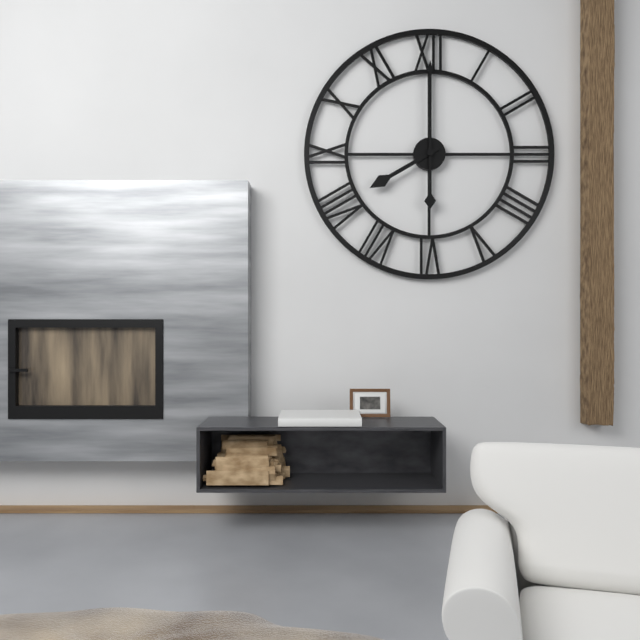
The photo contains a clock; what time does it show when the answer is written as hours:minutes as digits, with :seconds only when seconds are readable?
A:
8:00
